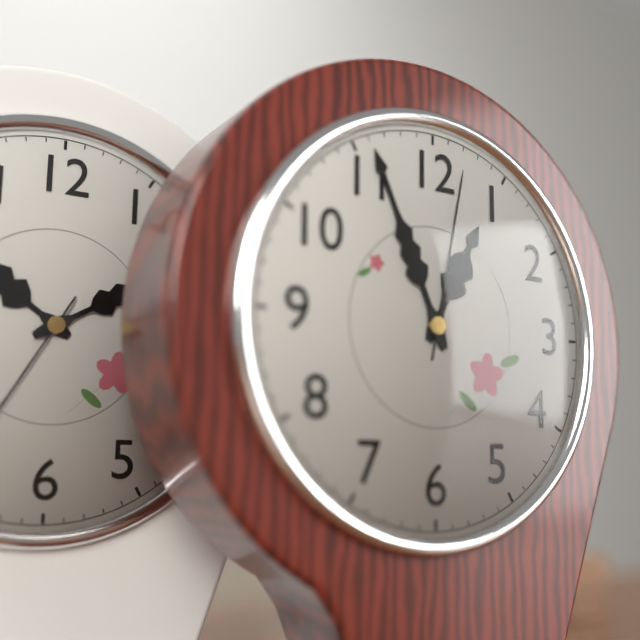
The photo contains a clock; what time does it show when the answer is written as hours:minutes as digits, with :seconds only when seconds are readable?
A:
12:56:02
